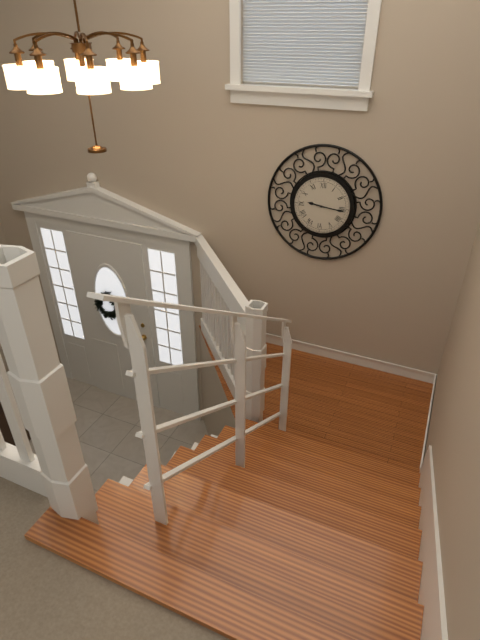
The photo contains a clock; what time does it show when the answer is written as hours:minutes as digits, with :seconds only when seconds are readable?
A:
9:16
